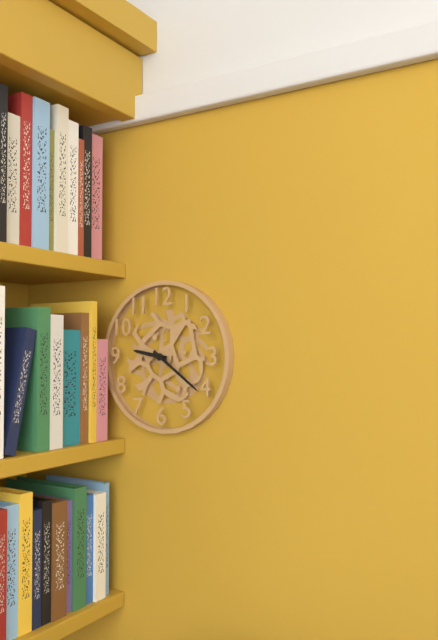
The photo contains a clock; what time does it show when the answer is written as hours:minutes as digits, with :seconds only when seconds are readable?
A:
9:21
